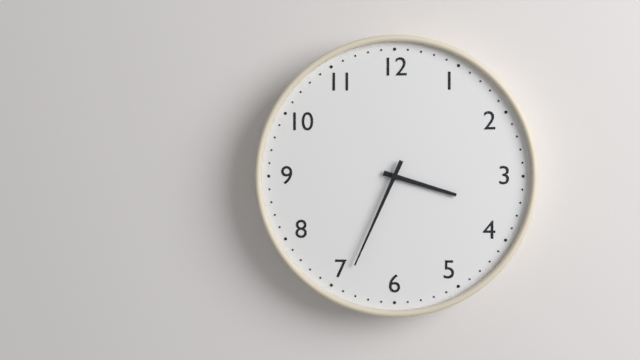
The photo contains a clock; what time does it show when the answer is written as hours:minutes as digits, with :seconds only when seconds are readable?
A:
3:34
